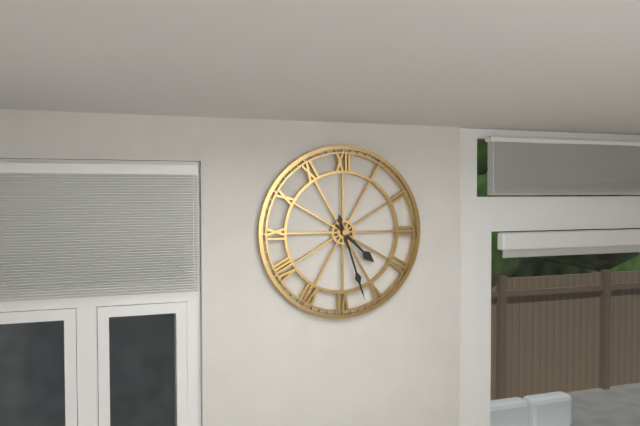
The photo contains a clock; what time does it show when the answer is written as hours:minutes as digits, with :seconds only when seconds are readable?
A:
4:27
